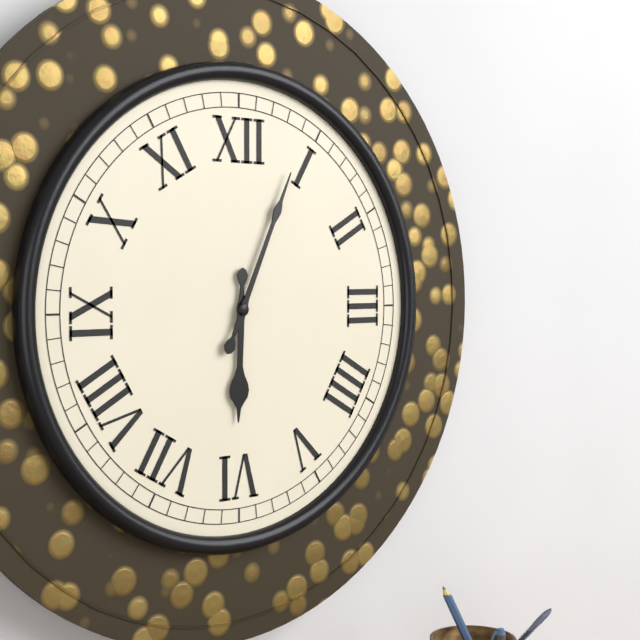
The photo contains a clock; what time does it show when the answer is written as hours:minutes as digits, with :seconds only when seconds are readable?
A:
6:04
